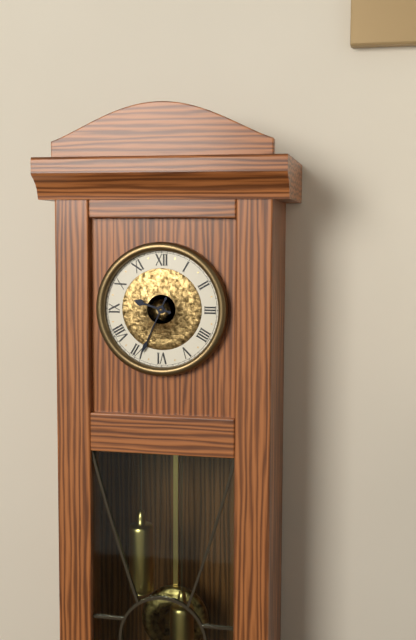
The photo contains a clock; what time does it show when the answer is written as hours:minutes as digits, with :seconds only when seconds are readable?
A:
9:34
